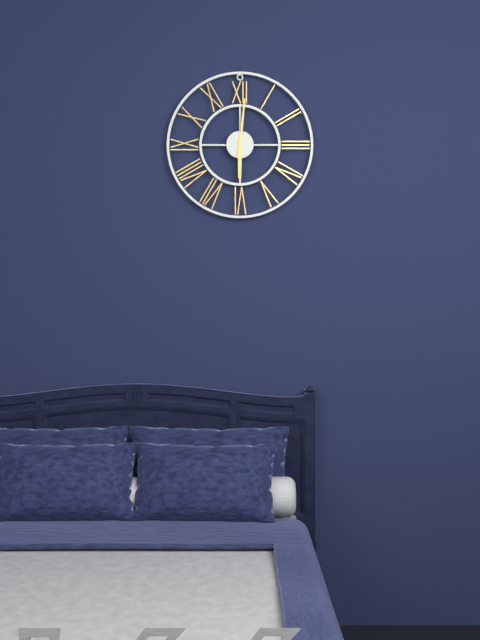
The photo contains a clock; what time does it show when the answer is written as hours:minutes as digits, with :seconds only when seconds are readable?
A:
6:01
